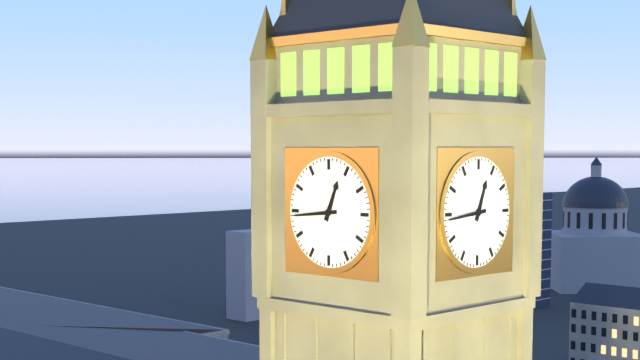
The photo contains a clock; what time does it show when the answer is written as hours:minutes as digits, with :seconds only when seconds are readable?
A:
12:44
